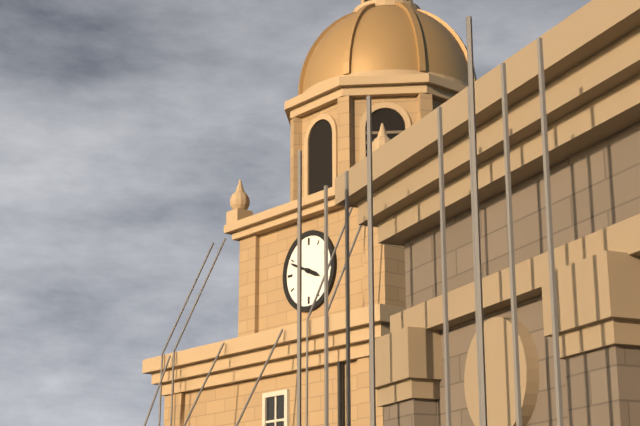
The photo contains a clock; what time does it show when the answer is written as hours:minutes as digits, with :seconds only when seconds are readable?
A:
3:49
